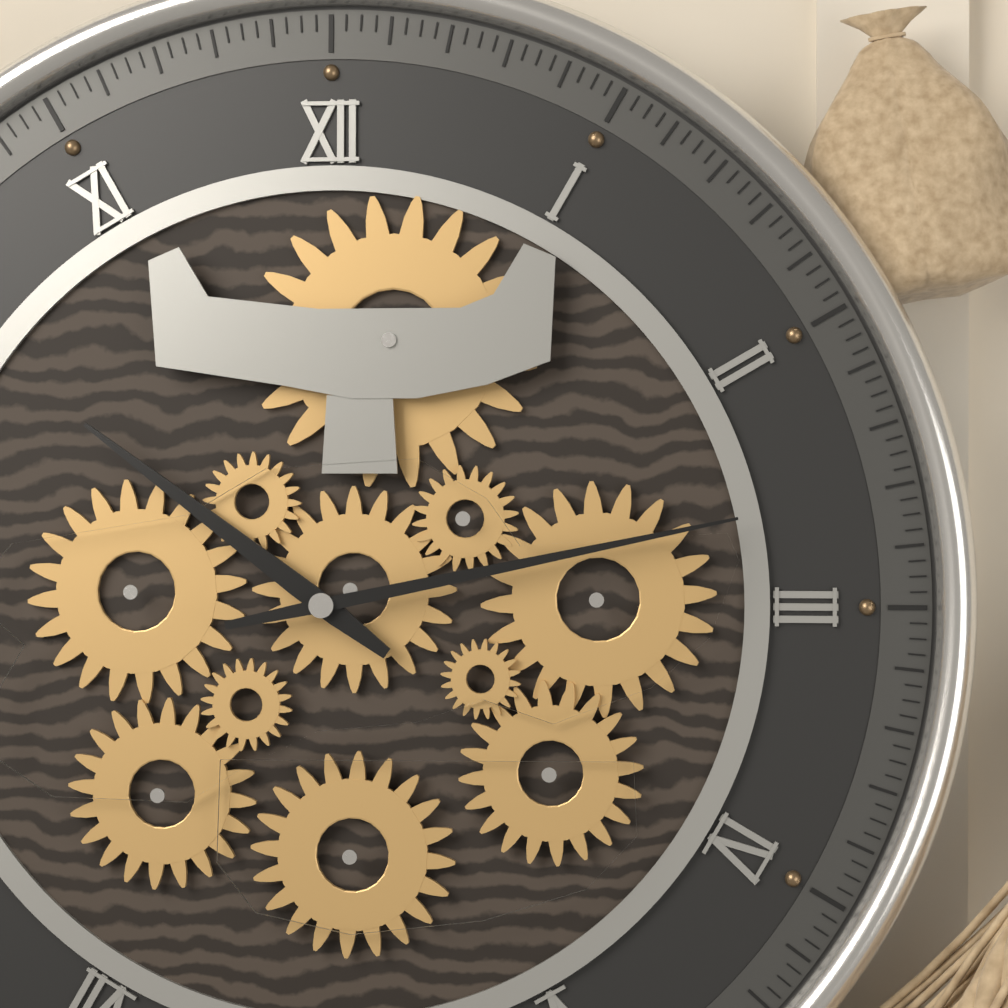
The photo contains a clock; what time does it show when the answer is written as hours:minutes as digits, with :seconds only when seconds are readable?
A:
10:13
